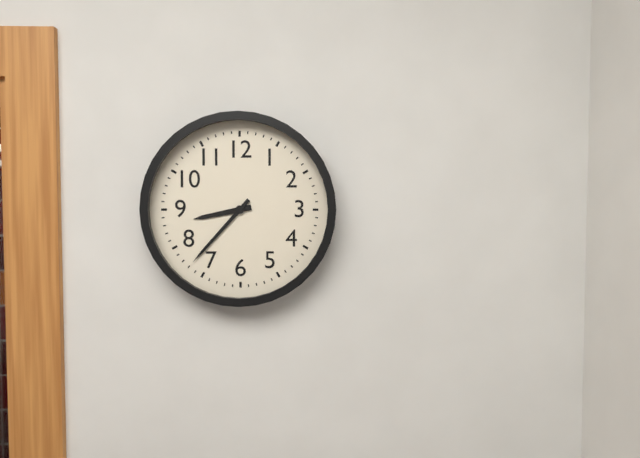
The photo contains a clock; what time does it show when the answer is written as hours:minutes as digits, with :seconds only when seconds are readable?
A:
8:37
